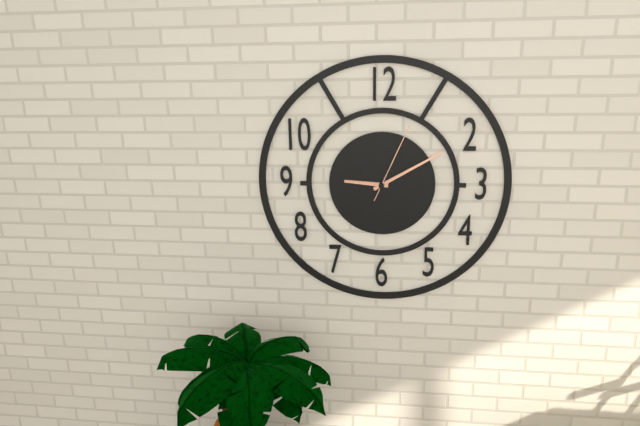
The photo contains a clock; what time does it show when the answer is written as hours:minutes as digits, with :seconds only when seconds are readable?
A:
9:10:04
